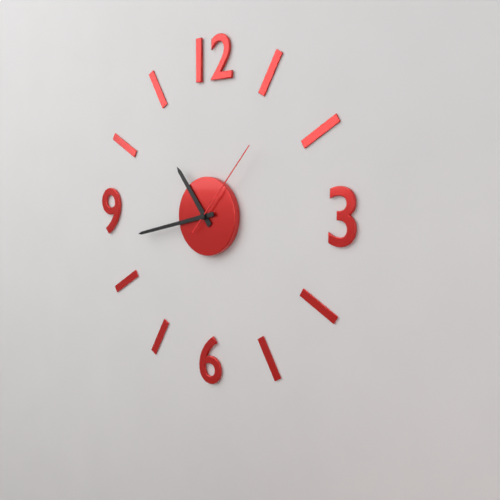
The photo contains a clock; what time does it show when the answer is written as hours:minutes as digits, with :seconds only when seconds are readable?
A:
10:43:07
